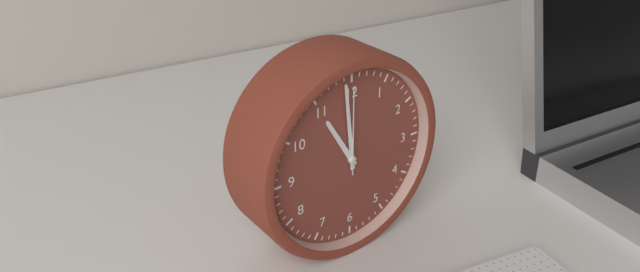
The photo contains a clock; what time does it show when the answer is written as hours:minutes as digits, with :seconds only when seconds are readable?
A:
10:59:00
